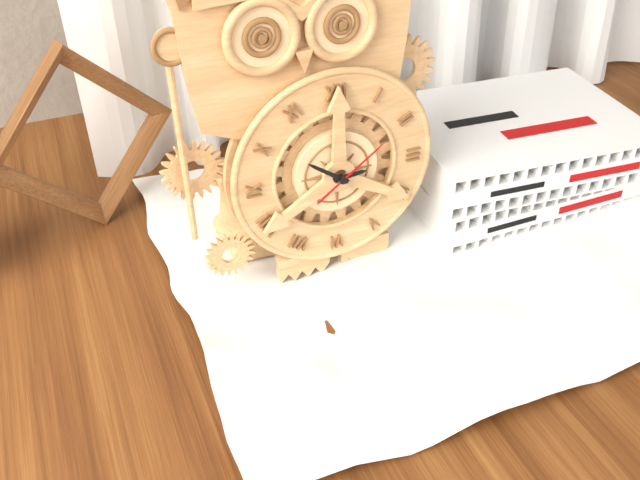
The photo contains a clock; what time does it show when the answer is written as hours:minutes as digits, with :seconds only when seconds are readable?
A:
2:51:09
